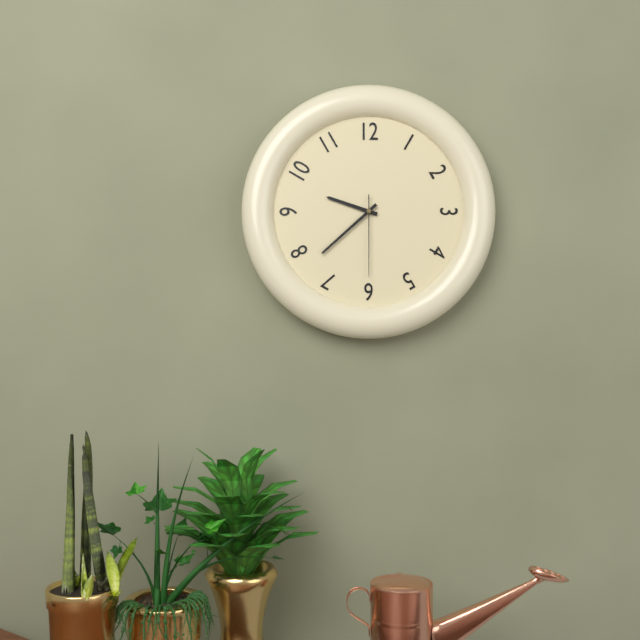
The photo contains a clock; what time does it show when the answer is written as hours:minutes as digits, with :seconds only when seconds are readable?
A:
9:38:30
